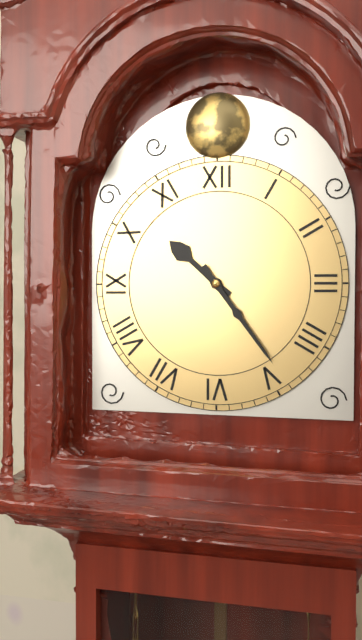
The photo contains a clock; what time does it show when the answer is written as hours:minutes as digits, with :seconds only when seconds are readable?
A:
10:24
